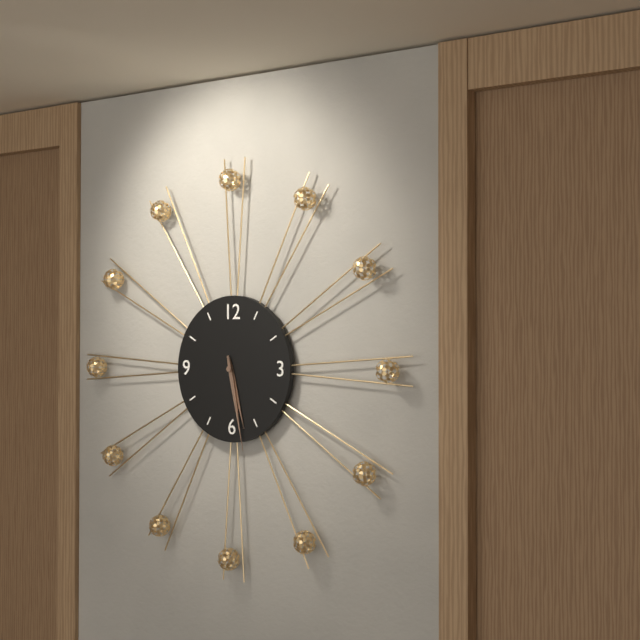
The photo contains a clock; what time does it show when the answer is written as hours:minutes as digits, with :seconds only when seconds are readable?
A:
5:28
